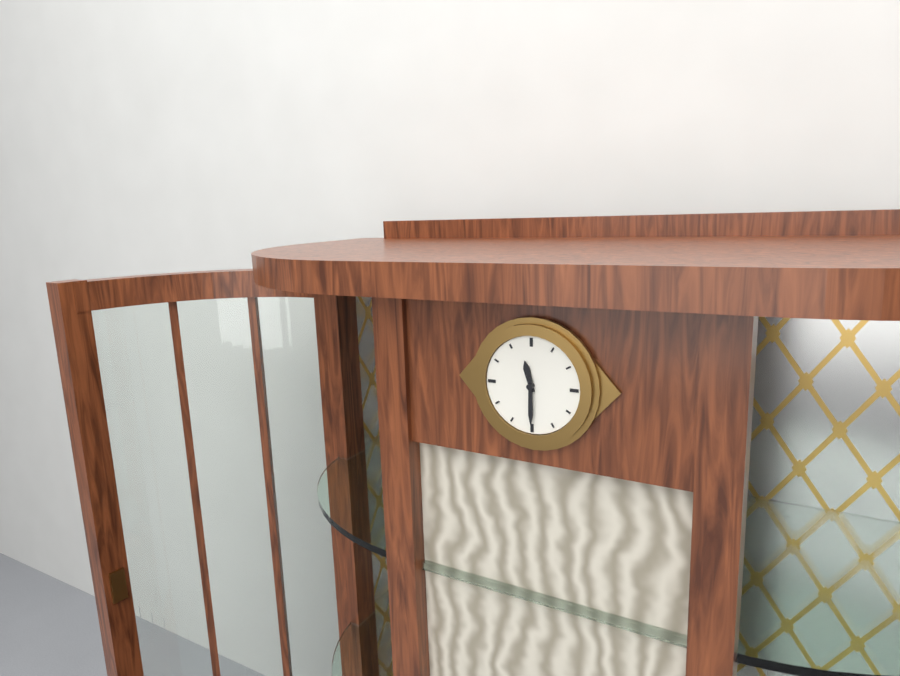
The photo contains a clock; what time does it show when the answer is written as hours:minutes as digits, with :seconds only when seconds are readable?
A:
11:30
